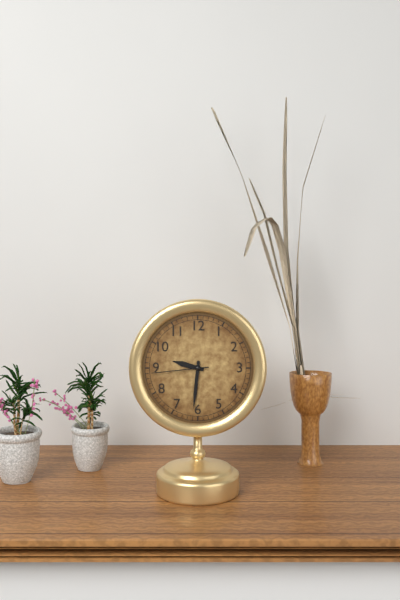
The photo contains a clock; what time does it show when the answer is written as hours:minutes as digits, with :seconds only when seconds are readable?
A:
9:31:44
